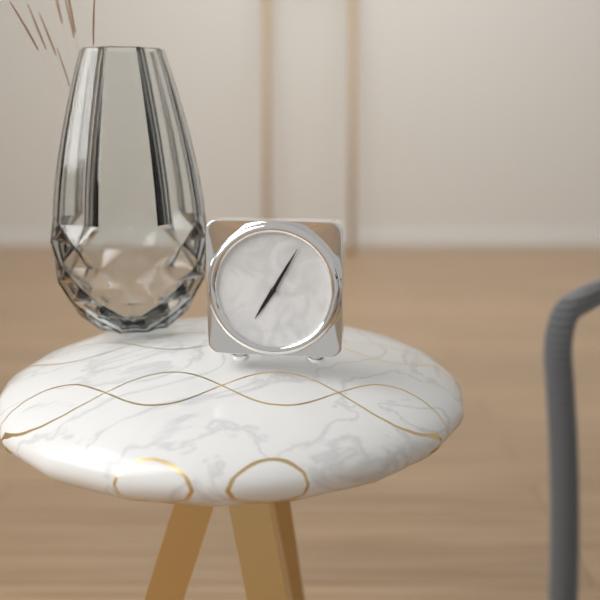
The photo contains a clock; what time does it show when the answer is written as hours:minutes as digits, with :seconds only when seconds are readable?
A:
7:05
